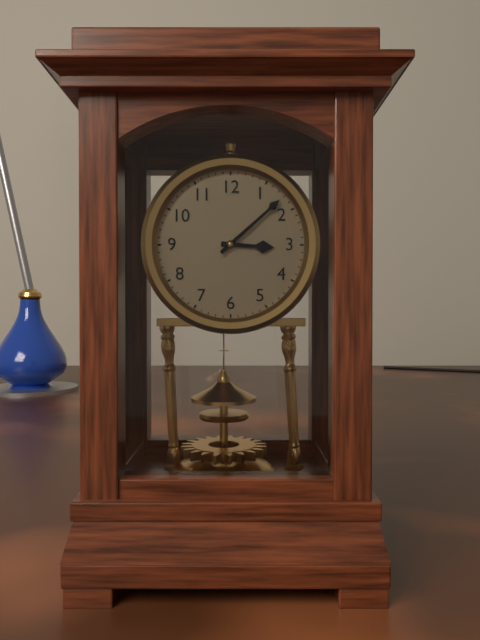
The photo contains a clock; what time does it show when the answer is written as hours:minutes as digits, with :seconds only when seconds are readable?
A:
3:08
